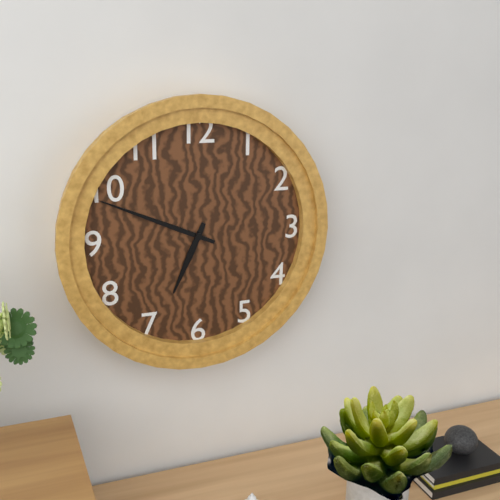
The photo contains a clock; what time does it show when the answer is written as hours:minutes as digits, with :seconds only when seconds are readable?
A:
6:49
